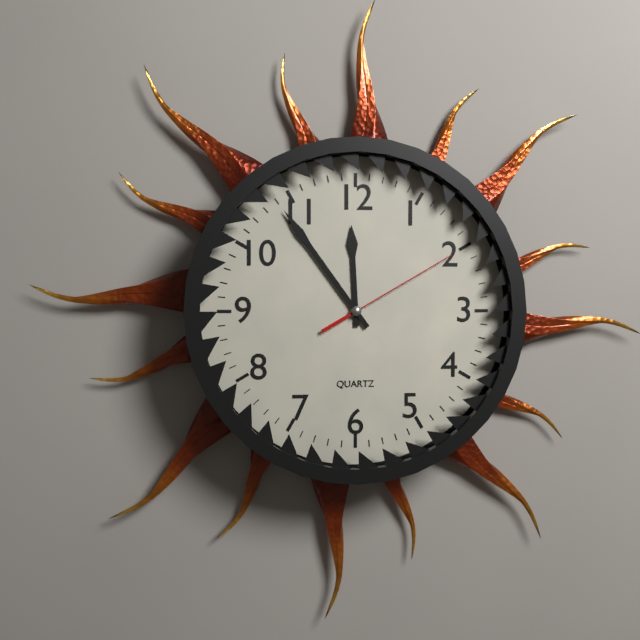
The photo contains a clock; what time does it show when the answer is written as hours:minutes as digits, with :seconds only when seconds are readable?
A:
11:54:10
